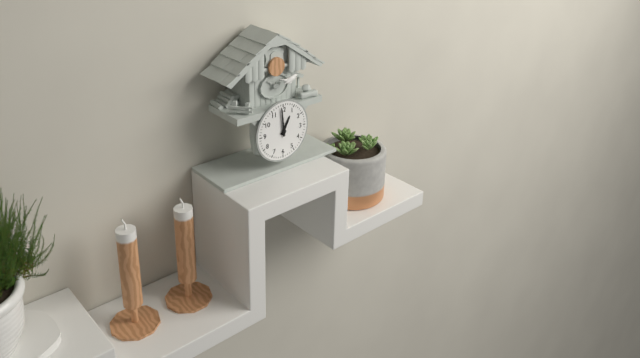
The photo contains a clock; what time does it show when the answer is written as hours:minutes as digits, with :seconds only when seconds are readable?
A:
12:59
